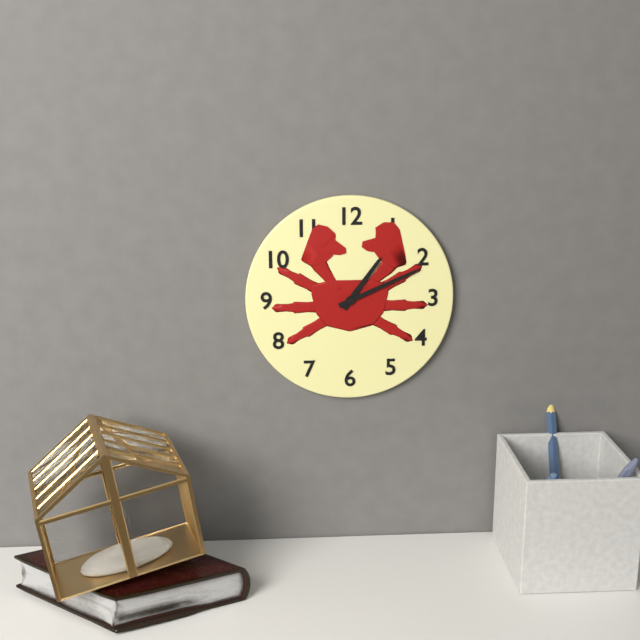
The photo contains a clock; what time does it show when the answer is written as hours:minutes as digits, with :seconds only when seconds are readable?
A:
1:11
